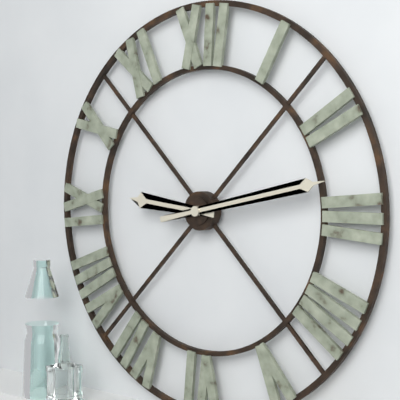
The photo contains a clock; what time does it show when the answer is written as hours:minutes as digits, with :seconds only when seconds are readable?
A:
9:13
